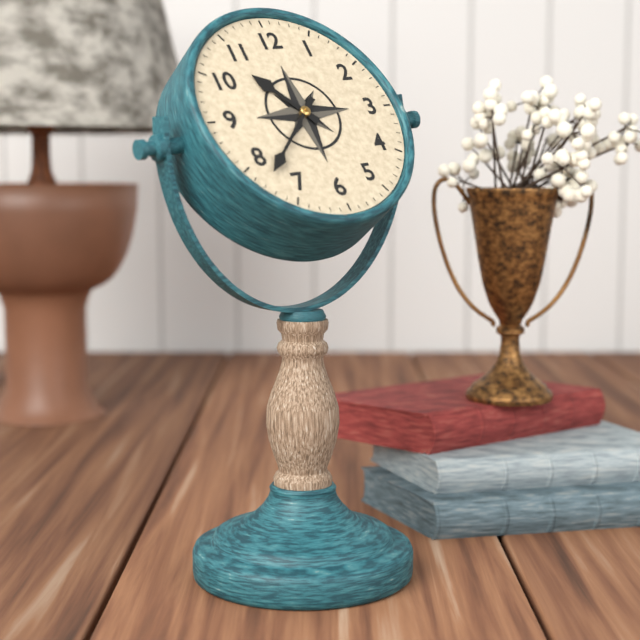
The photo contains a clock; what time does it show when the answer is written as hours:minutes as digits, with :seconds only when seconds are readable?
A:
10:38
